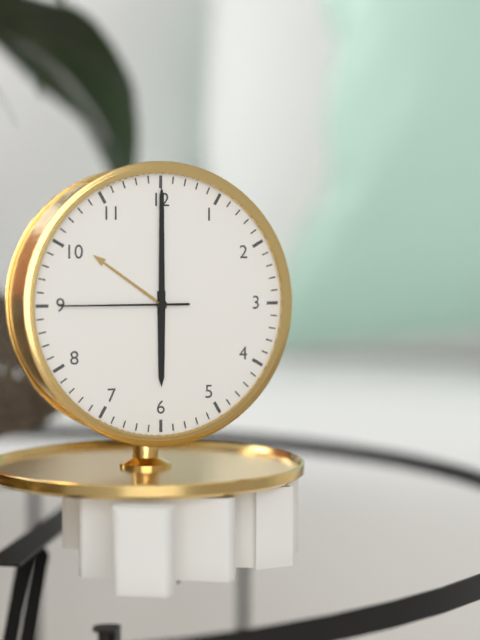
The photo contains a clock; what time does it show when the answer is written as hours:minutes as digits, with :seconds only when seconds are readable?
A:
6:00:45
